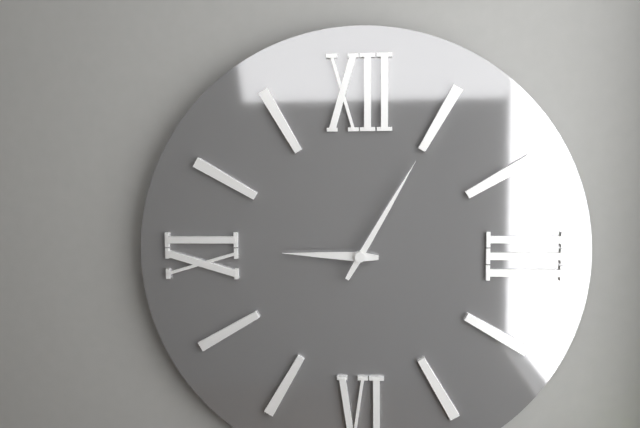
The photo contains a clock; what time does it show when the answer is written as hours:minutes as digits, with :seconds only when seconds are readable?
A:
9:05
